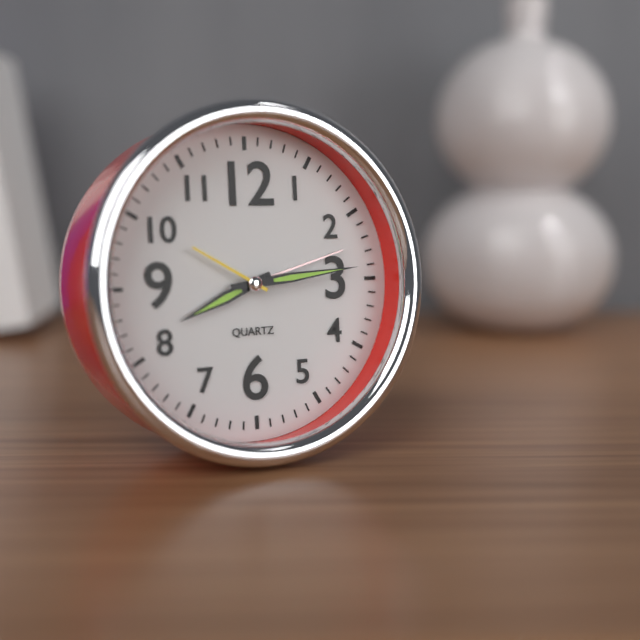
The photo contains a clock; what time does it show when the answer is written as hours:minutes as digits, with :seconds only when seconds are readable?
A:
8:14:50
